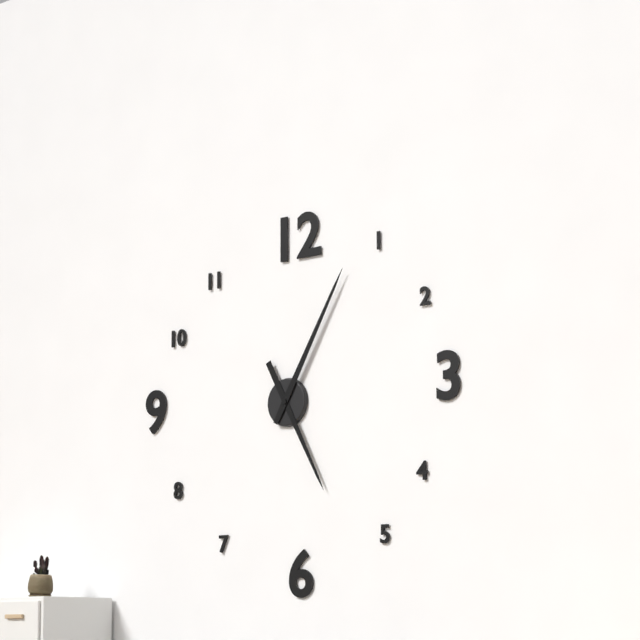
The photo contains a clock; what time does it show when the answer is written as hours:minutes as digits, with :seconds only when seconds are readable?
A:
5:05
